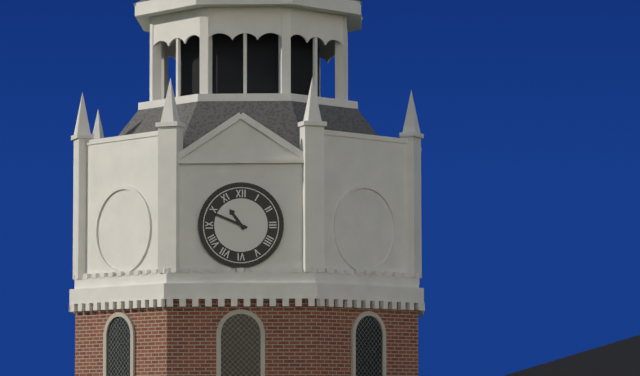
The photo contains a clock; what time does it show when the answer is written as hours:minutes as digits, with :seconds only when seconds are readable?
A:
10:49
